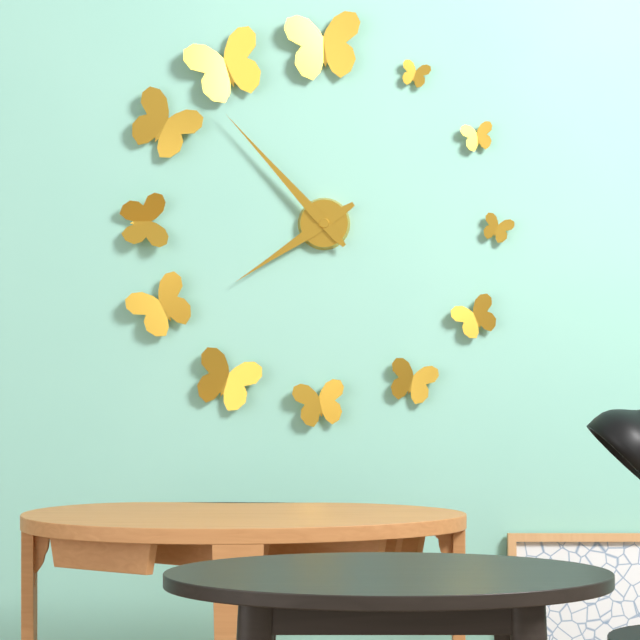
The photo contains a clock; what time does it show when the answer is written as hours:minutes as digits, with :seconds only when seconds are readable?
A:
7:53
